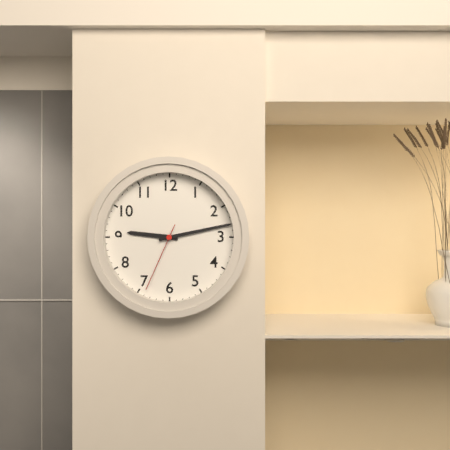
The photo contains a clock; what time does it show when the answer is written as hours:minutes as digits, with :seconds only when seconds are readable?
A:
9:13:34
